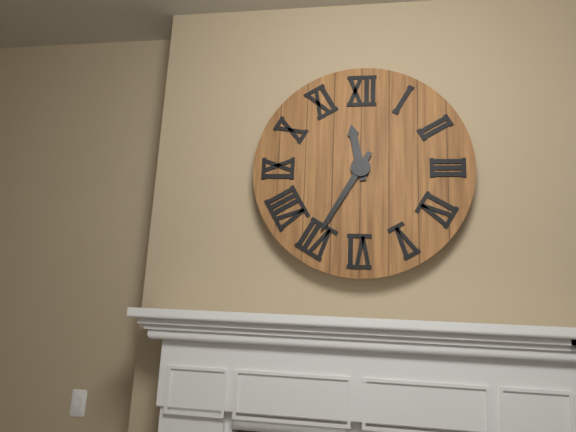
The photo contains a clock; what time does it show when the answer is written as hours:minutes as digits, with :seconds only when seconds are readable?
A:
11:35
